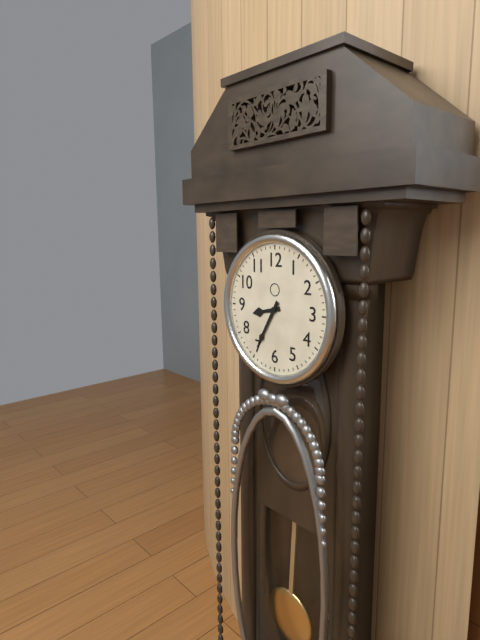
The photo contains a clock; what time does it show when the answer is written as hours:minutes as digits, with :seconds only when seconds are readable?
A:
8:35
